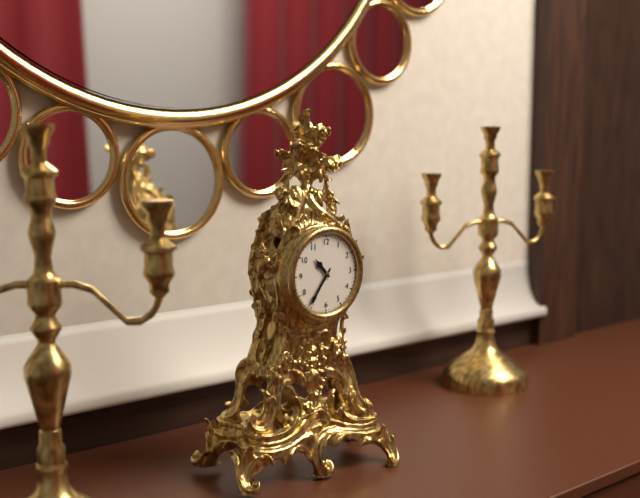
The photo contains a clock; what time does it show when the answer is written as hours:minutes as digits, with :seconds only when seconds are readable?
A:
10:36
